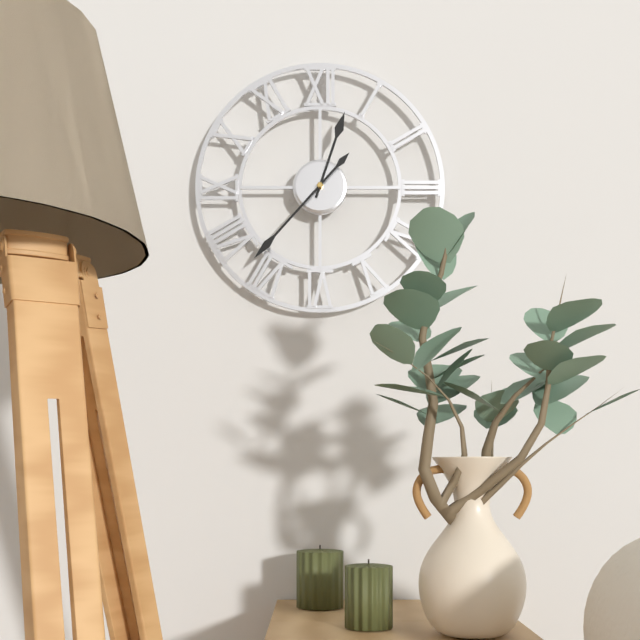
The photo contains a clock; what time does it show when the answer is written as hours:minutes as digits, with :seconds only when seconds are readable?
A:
12:37
